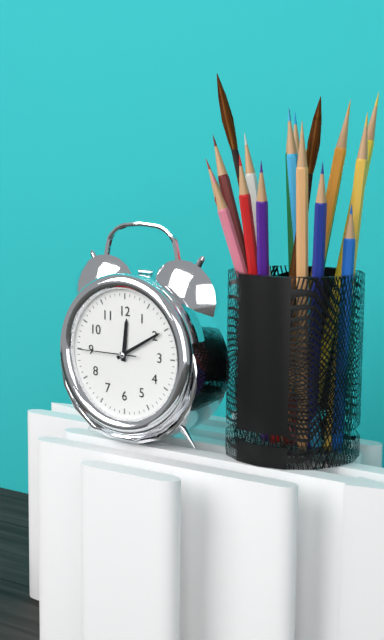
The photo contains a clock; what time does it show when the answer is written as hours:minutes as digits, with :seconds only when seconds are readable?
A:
12:10:45
